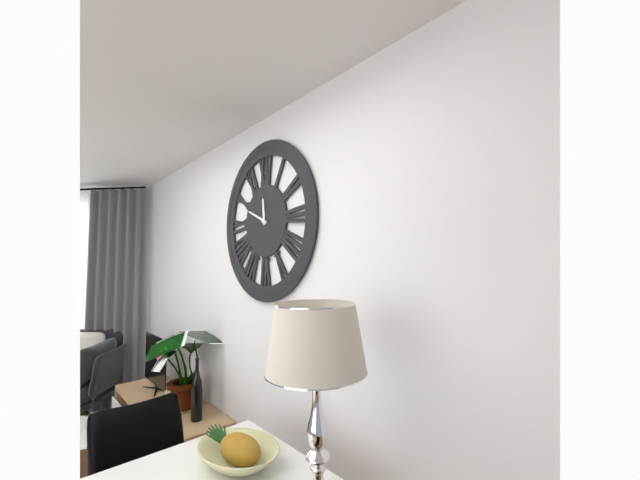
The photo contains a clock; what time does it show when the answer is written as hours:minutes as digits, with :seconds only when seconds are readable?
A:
11:49
